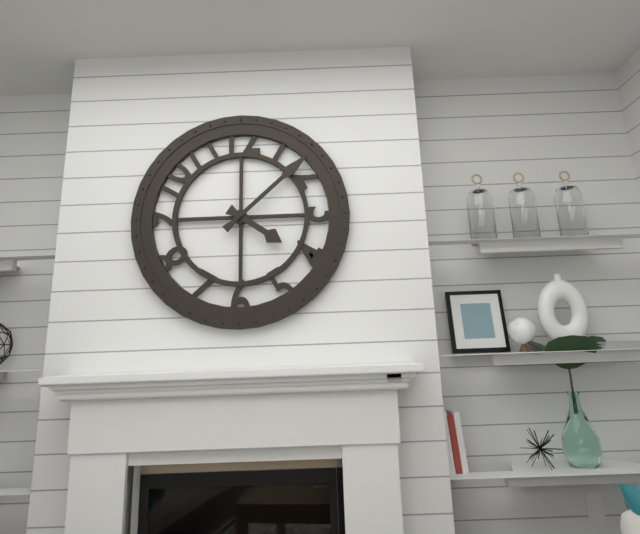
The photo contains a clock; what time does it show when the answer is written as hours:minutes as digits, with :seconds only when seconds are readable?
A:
4:08
